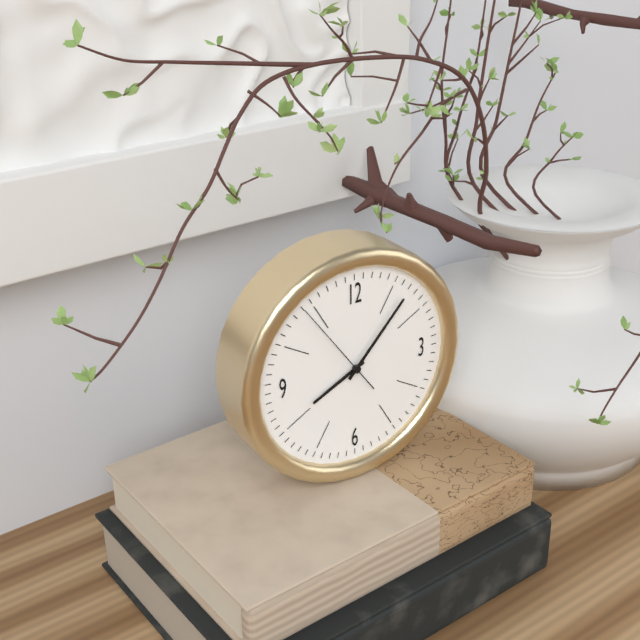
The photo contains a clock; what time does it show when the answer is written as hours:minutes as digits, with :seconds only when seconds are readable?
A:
8:07:54
